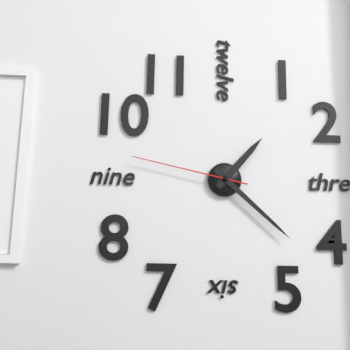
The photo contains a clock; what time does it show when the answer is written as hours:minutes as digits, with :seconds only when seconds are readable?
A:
1:22:47
